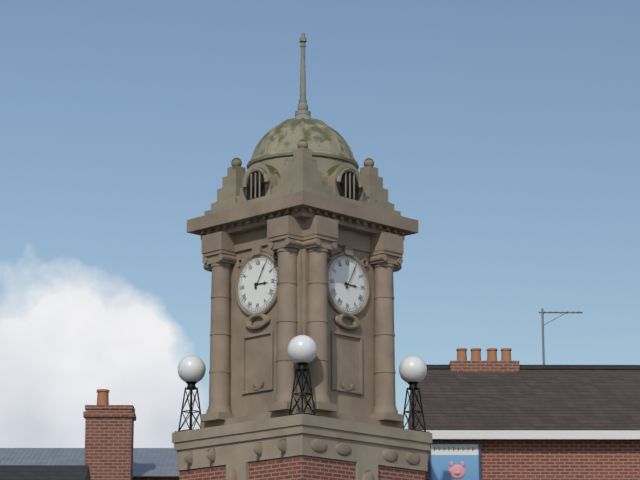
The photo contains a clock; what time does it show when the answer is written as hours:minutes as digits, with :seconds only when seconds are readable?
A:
3:05
